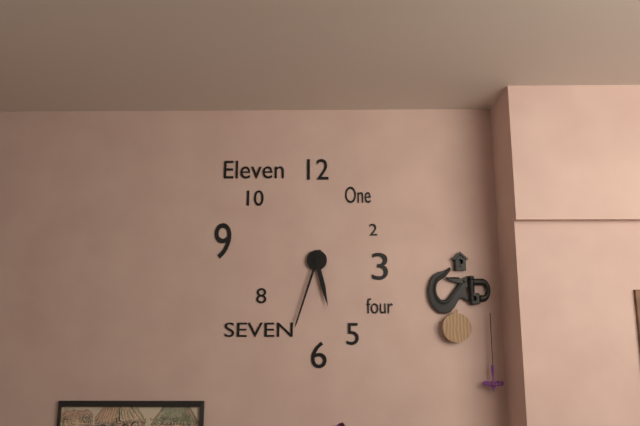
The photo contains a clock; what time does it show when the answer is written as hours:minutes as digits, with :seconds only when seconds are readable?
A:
5:33
